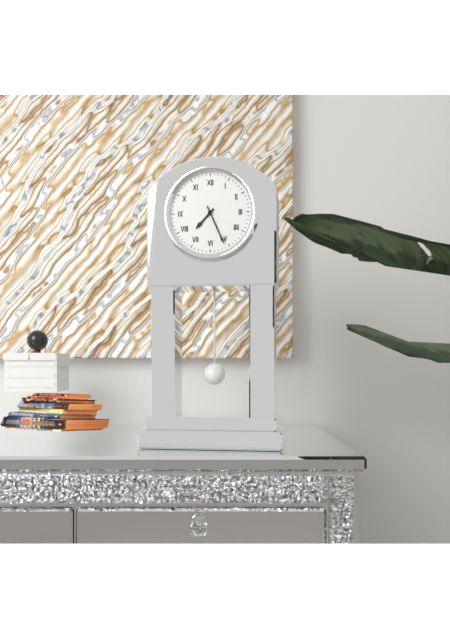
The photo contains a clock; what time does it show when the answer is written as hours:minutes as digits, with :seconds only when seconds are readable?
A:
7:26
